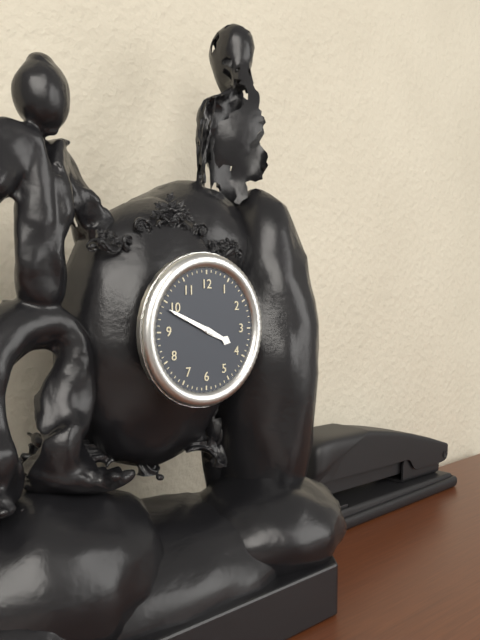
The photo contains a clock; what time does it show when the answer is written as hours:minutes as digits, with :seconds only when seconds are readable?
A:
3:49
